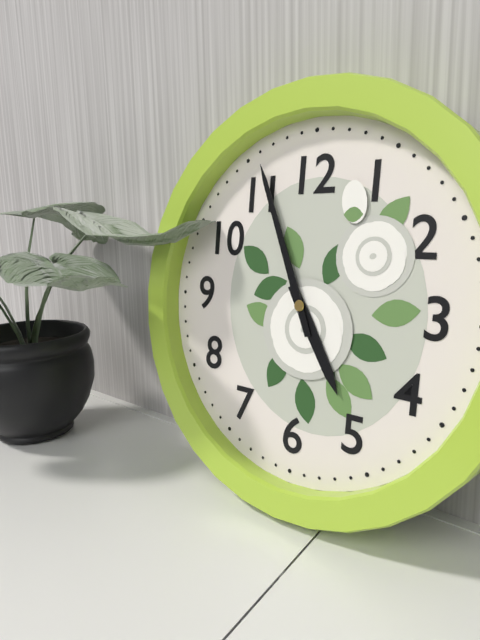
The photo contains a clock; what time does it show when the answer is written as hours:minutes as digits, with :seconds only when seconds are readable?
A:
4:56
